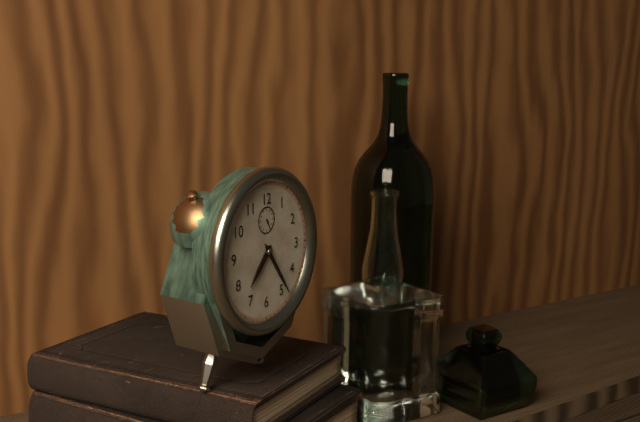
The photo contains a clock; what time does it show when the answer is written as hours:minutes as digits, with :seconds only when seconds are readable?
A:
7:24
